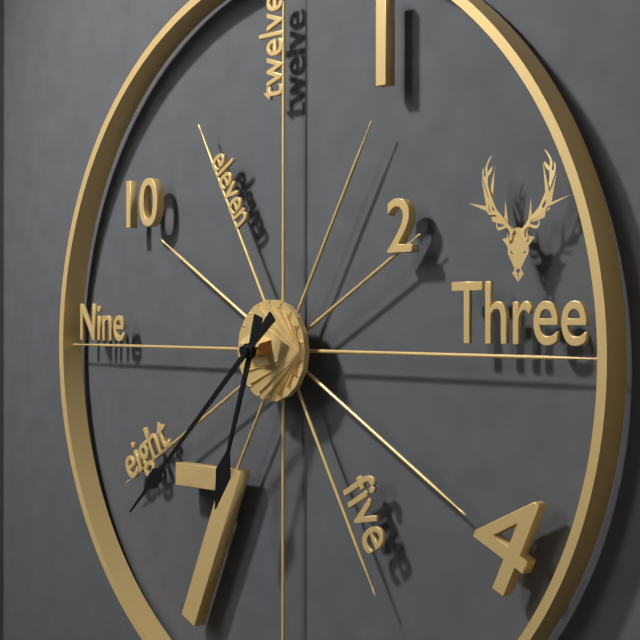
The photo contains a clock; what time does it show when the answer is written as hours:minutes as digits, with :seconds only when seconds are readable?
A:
6:38
